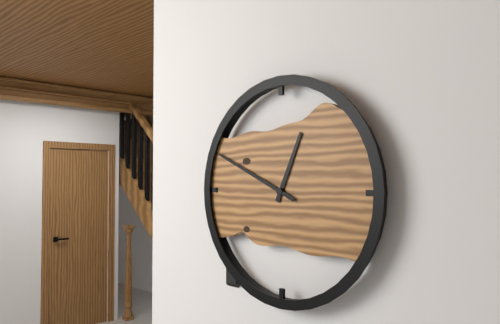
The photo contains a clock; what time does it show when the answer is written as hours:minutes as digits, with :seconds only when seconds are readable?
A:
12:49
